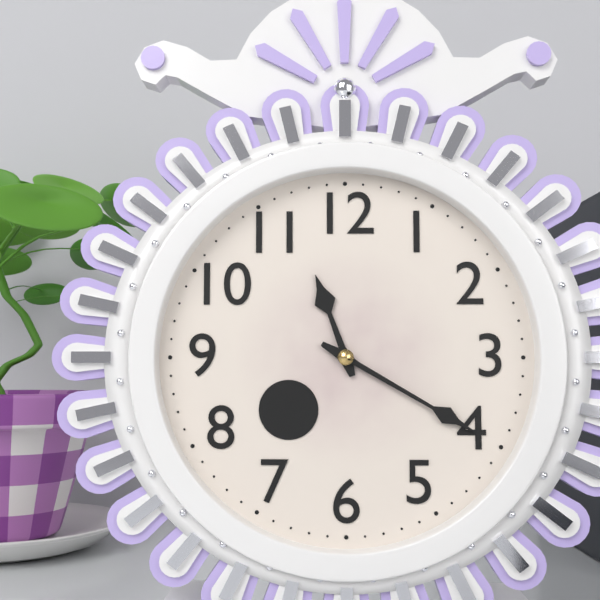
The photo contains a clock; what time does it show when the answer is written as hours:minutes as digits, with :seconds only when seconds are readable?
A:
11:20
